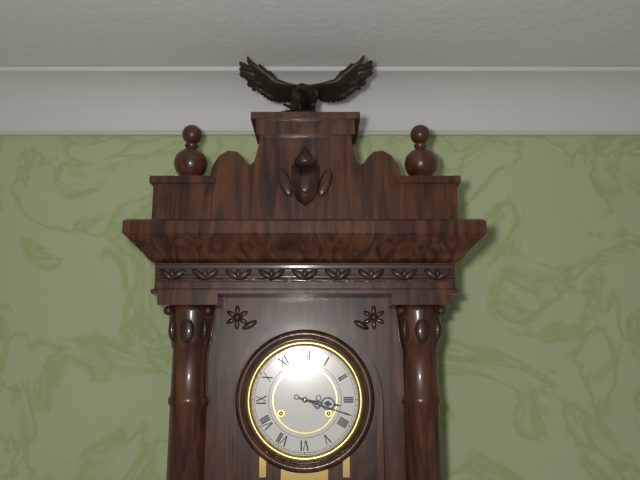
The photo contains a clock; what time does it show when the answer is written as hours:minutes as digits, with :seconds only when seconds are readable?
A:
3:18
